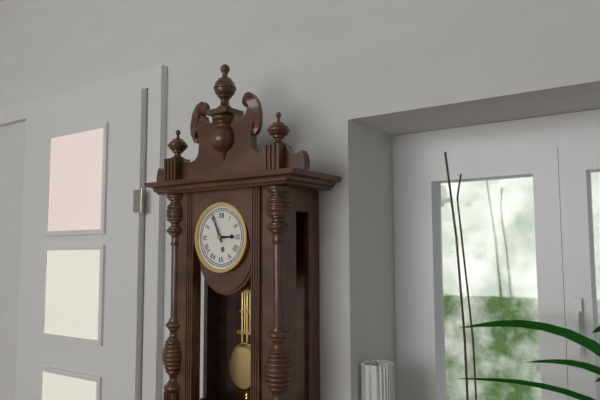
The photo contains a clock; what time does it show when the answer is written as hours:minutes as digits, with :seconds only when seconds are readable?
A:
2:56
